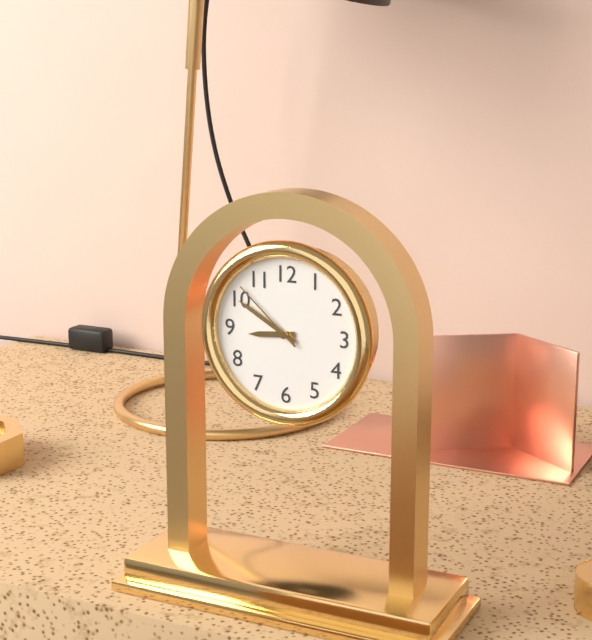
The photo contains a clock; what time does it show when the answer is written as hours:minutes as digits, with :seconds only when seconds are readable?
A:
8:50:52
